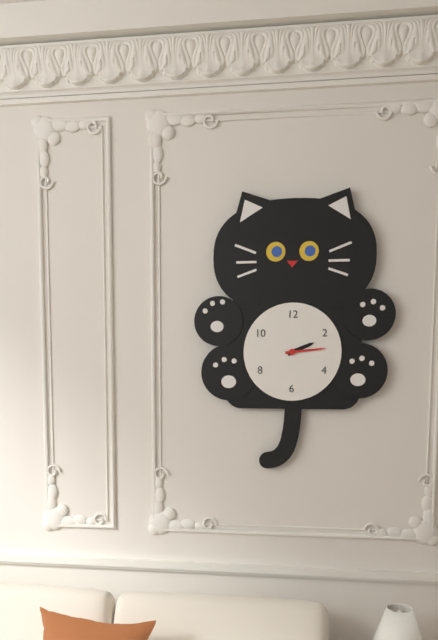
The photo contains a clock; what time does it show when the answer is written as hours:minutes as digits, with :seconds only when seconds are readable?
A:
2:14
